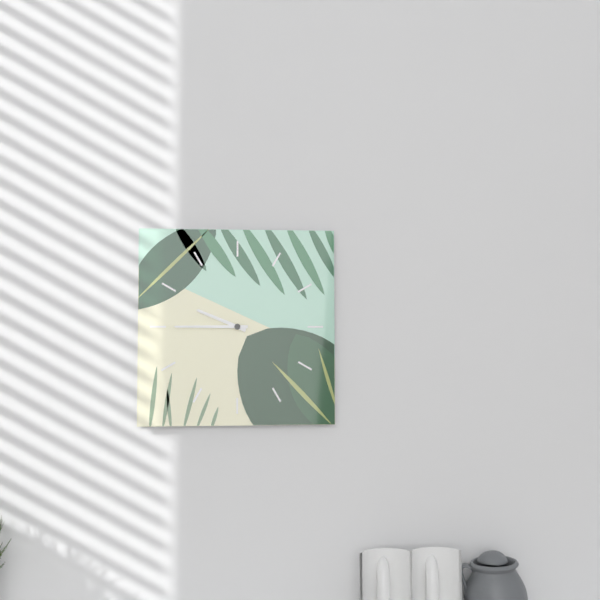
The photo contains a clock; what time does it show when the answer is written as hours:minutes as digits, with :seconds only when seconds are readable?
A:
9:45
